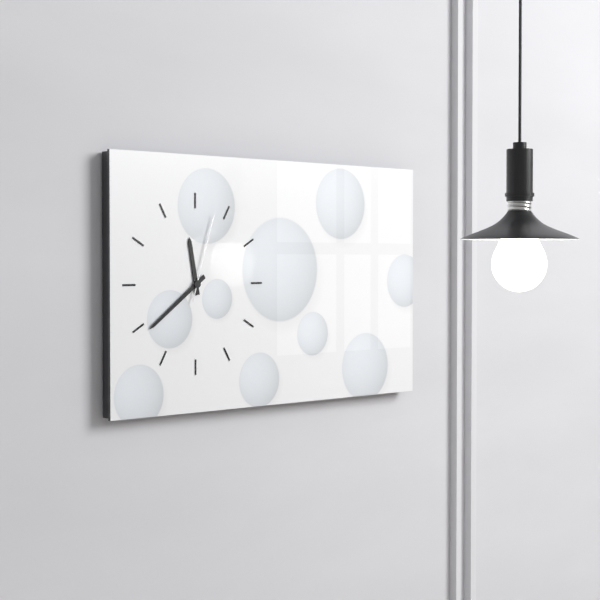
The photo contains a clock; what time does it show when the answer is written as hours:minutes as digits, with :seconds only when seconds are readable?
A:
11:39:03
